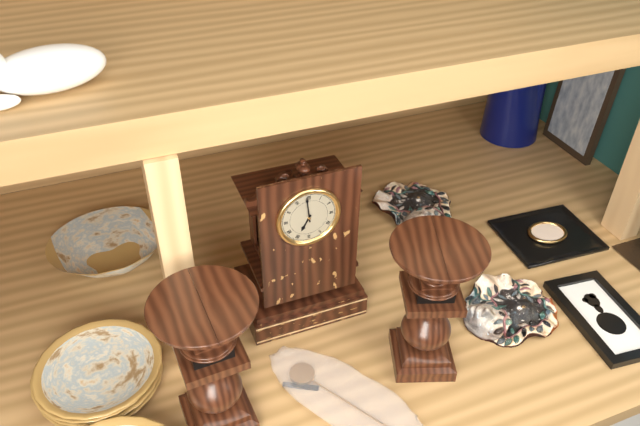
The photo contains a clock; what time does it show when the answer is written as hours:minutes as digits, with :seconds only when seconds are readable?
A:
6:59
